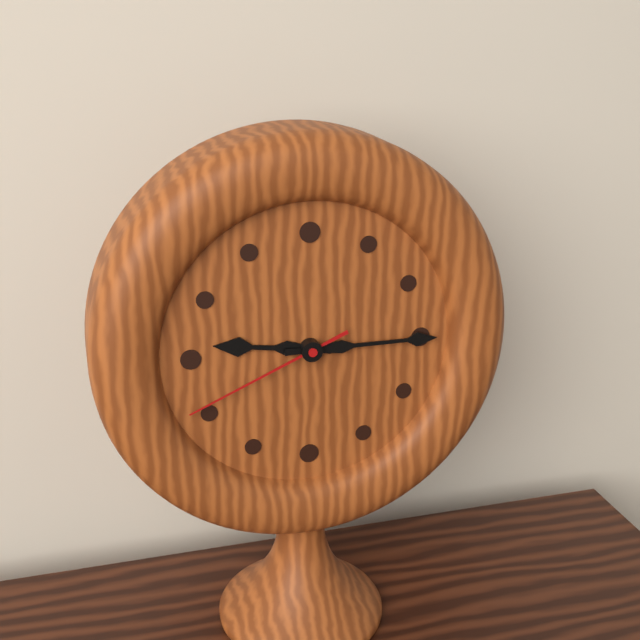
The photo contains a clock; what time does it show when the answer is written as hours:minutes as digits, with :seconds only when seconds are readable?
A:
9:15:41
